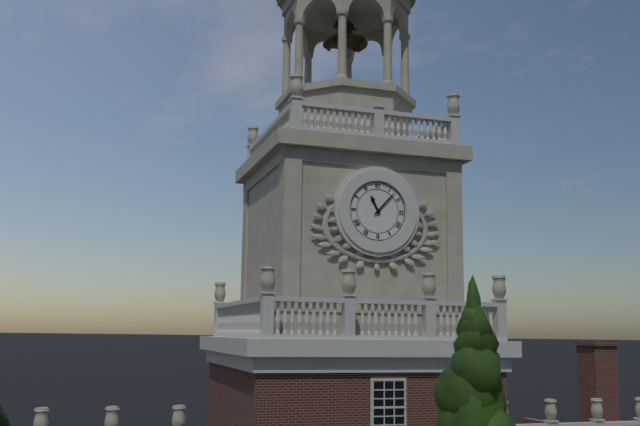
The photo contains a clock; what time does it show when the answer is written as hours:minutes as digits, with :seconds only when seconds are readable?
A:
11:07
